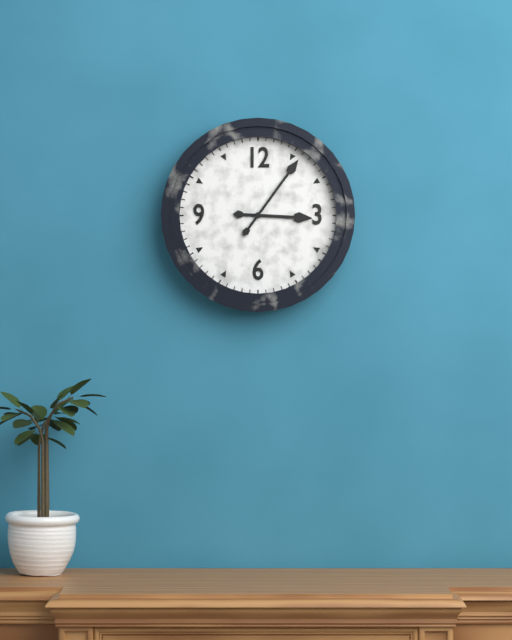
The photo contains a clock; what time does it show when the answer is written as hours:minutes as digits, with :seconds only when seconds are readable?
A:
3:06
